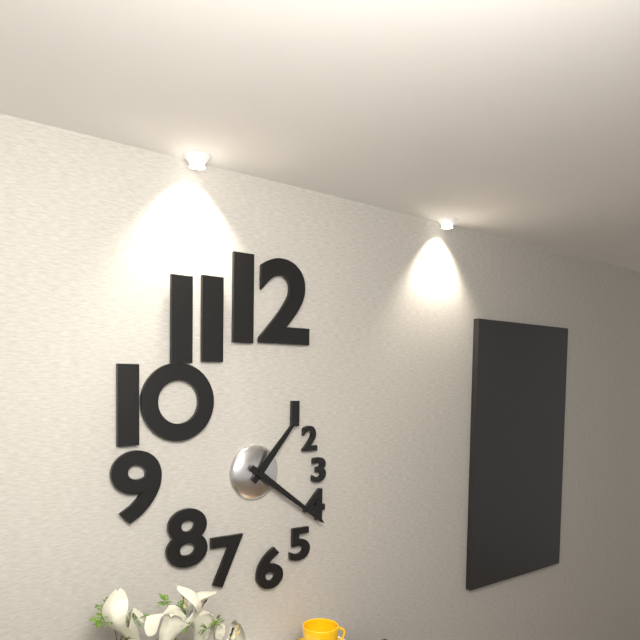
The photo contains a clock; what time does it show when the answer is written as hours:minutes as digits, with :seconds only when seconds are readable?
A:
1:21
